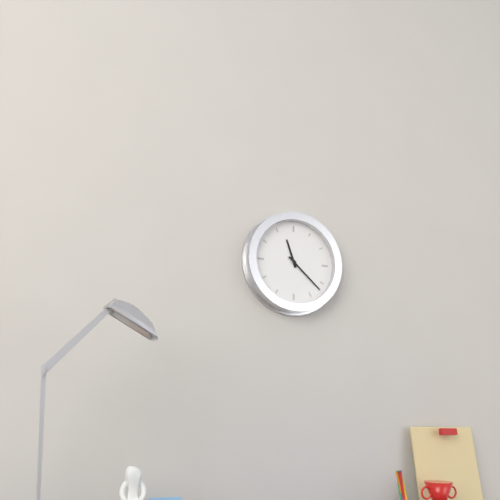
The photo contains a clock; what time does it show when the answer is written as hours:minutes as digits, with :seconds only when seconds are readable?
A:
11:22
